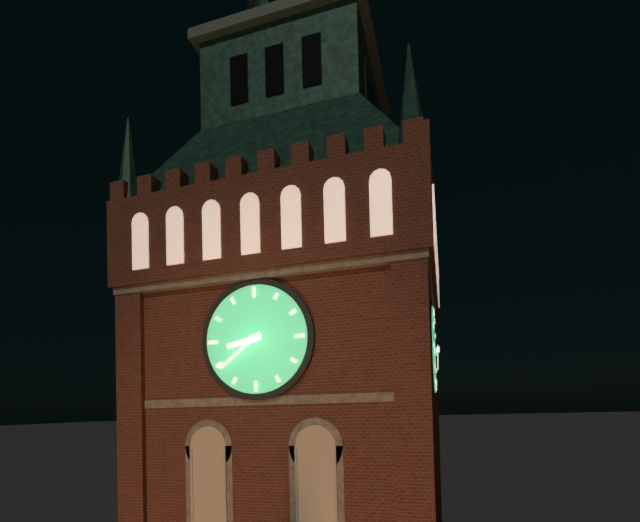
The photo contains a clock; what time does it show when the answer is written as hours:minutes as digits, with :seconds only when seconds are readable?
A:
8:39
